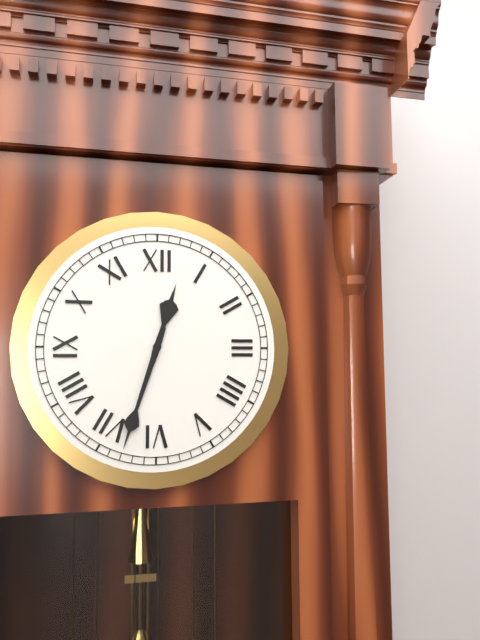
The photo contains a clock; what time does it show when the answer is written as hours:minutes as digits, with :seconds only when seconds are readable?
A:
12:33
